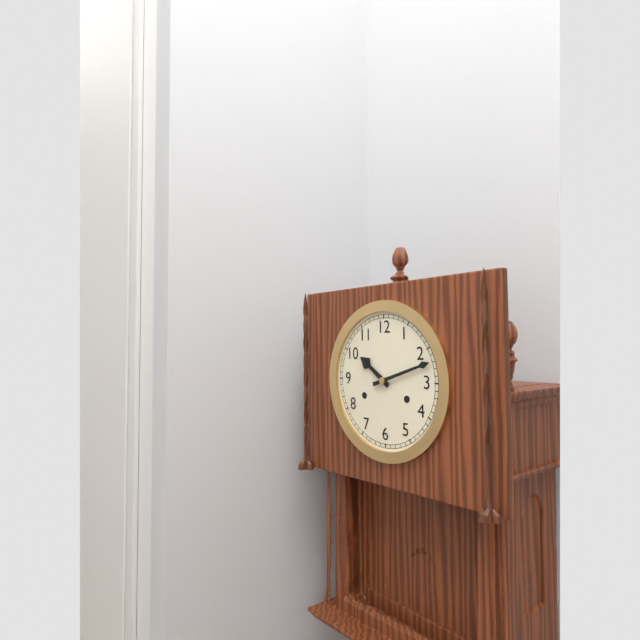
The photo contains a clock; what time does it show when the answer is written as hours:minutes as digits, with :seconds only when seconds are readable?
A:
10:12
